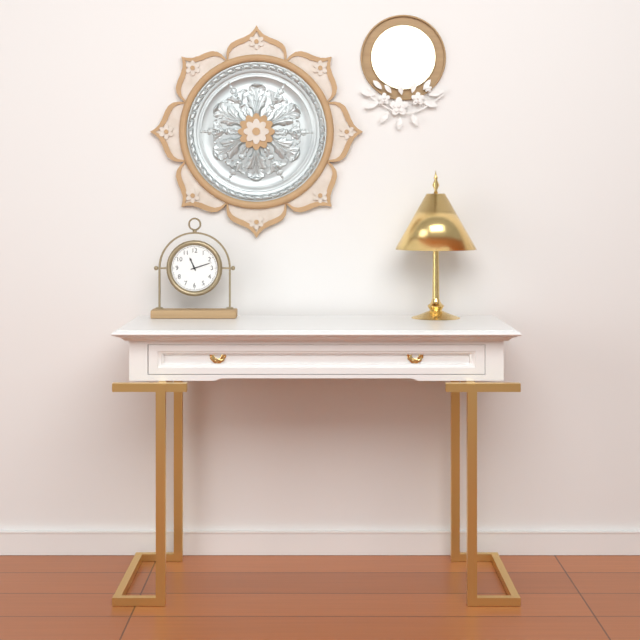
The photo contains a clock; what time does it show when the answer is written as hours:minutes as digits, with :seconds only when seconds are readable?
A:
11:12
